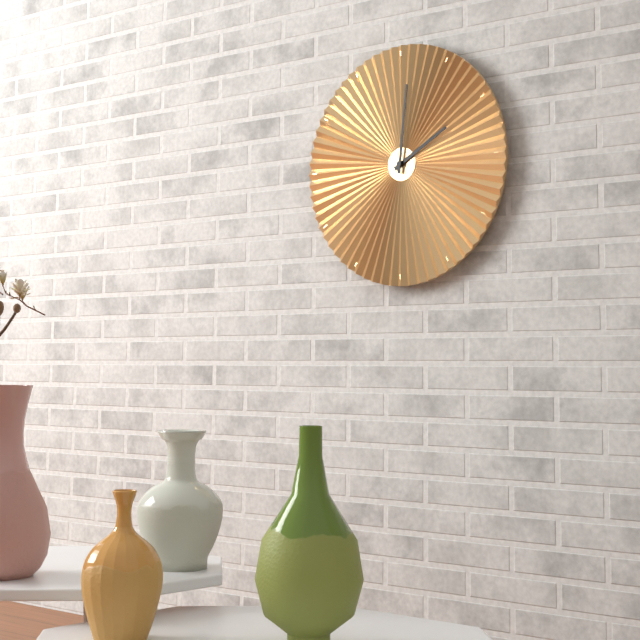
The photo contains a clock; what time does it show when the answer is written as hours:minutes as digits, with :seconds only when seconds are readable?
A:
2:01
